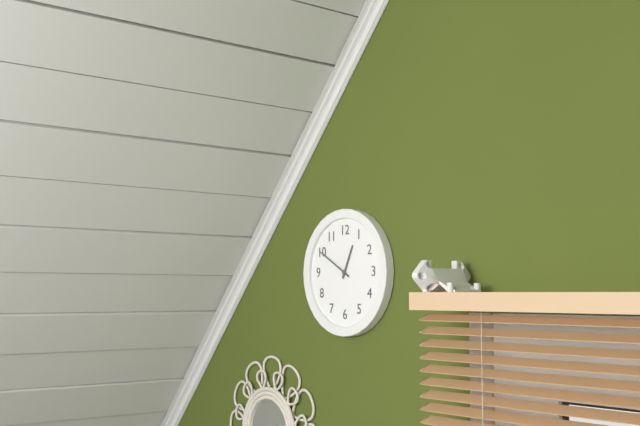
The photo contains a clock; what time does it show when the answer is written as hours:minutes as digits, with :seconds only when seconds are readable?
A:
12:50
